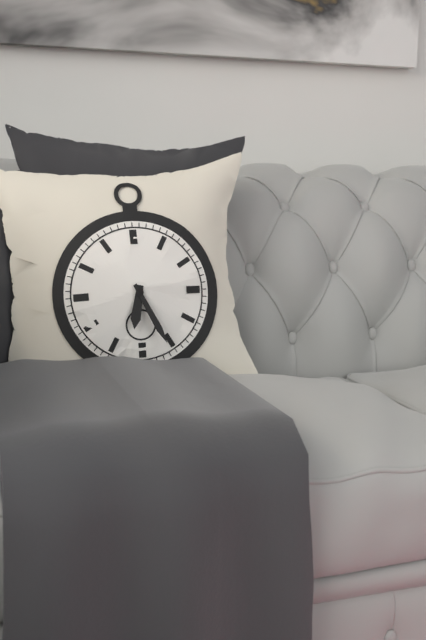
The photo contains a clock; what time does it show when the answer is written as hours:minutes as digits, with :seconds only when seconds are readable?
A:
6:26
